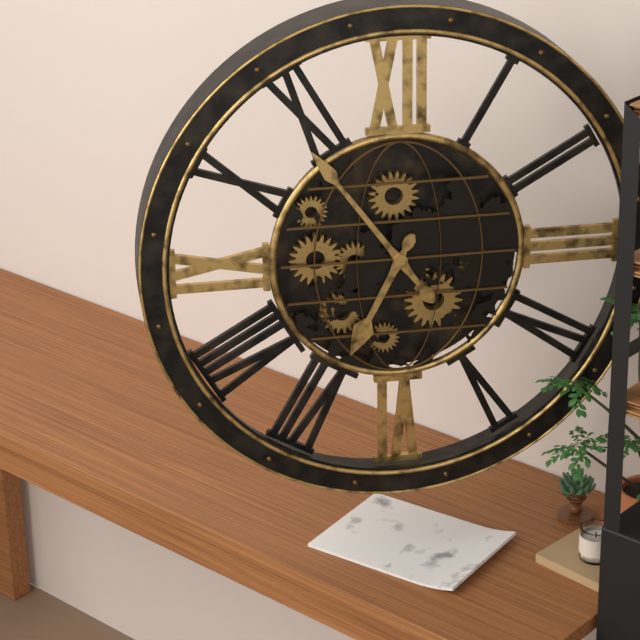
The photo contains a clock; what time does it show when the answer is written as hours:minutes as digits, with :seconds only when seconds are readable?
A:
6:54
